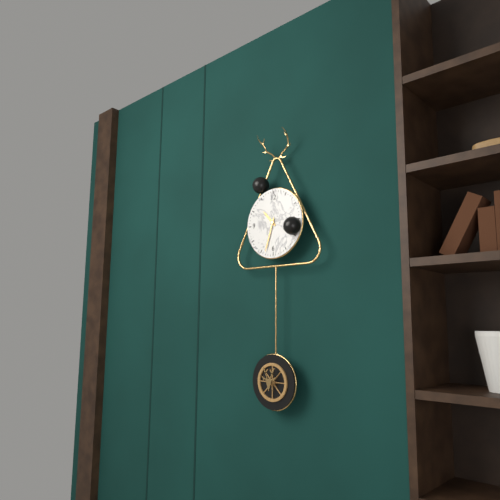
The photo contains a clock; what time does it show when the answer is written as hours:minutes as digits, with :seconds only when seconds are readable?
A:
10:33
